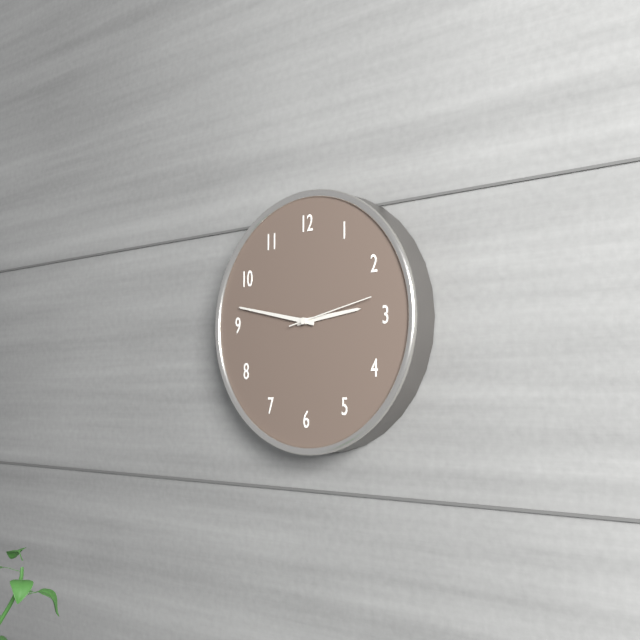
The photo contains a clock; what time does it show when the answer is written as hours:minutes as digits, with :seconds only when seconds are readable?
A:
2:47:13
